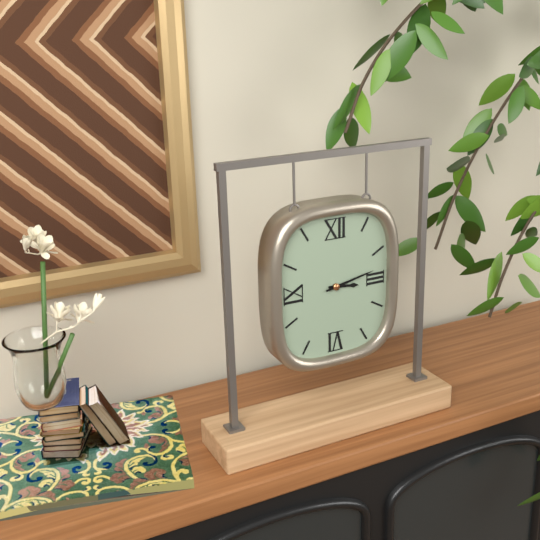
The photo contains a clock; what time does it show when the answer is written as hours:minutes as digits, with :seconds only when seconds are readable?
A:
3:13
